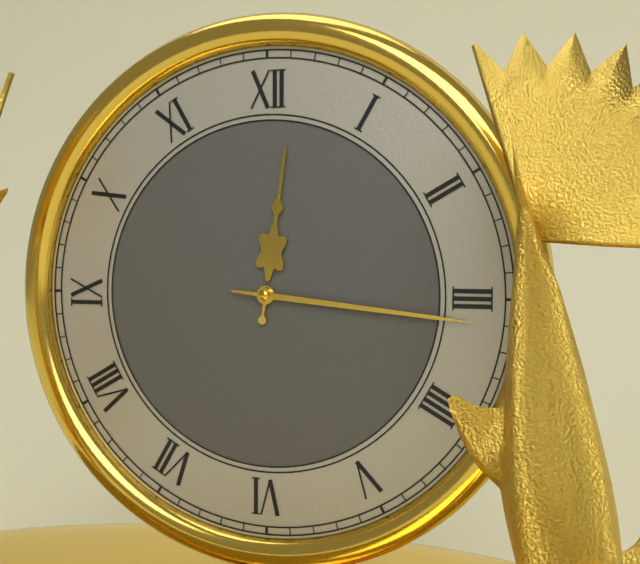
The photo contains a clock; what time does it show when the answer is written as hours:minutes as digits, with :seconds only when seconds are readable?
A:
12:16
